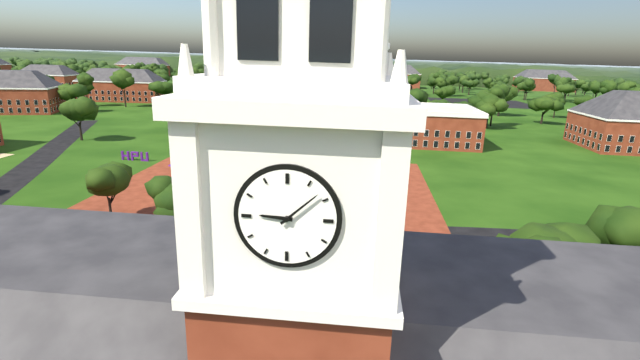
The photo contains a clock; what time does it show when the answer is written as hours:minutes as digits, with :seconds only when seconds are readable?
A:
9:08
